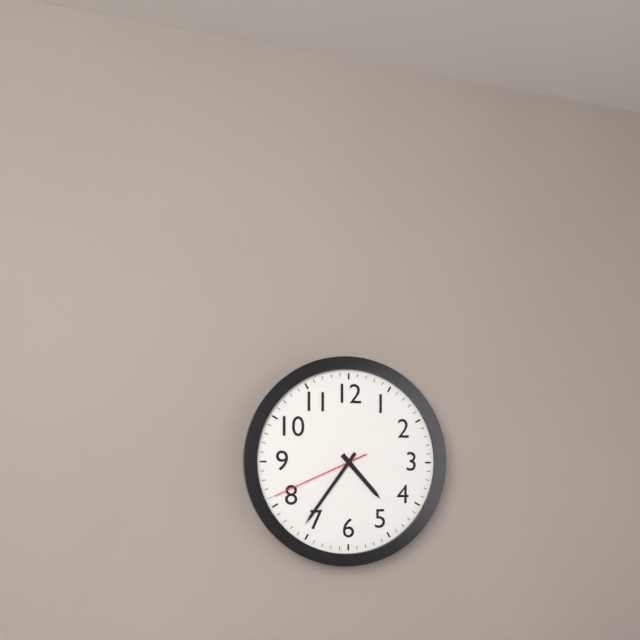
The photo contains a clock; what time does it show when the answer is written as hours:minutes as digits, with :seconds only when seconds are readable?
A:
4:36:41
